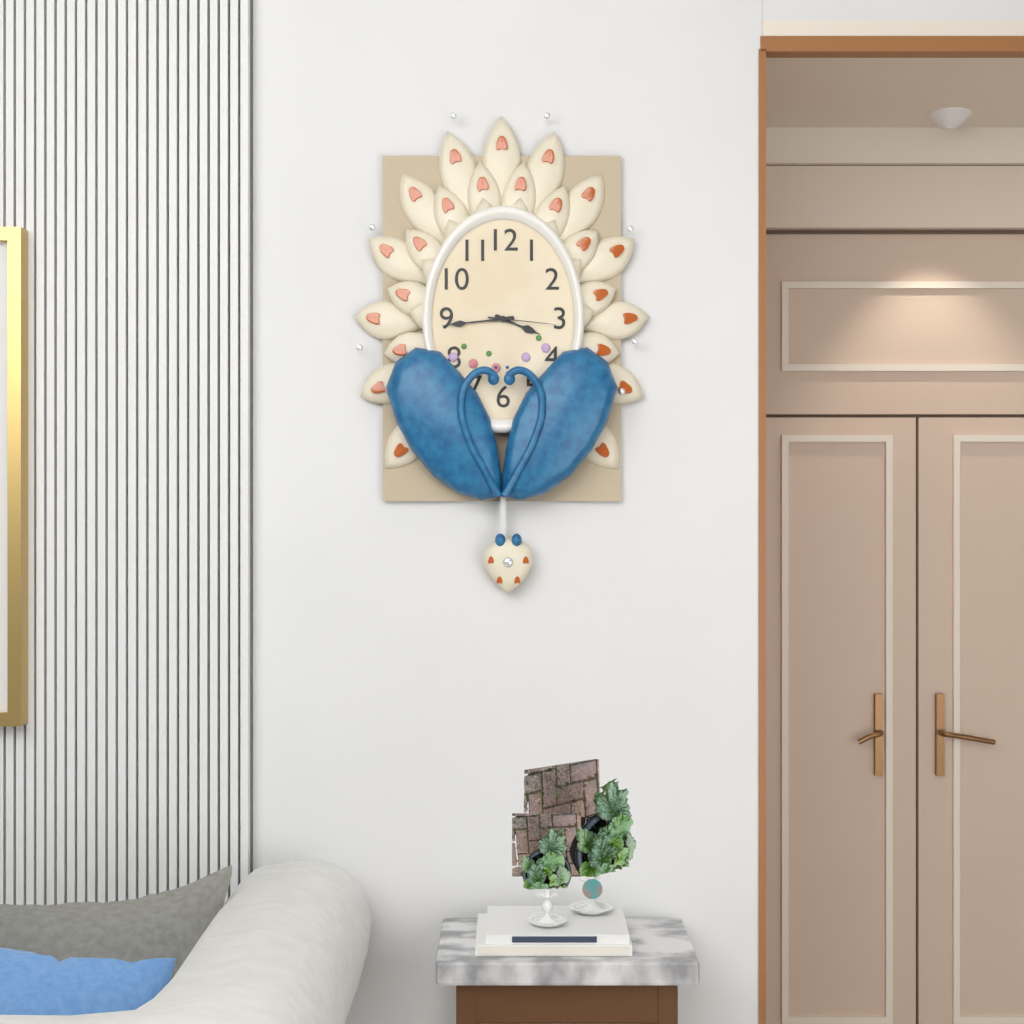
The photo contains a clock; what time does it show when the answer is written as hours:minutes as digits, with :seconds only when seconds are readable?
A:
3:44:16
